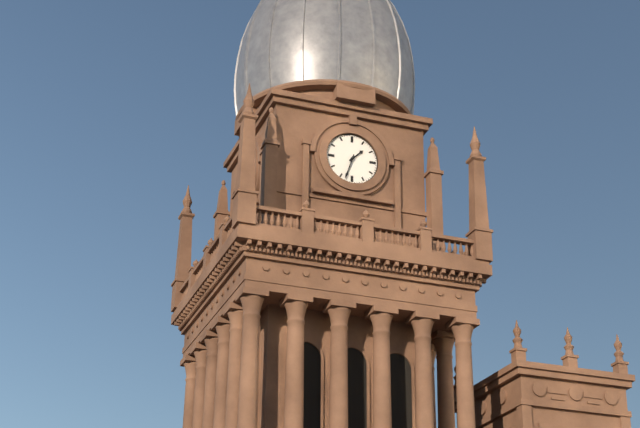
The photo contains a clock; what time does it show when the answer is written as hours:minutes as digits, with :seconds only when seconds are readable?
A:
1:33
